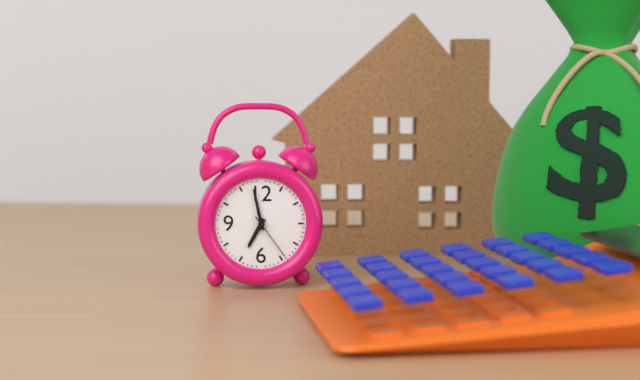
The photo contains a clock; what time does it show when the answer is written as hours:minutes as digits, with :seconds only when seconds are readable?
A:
6:58:24
